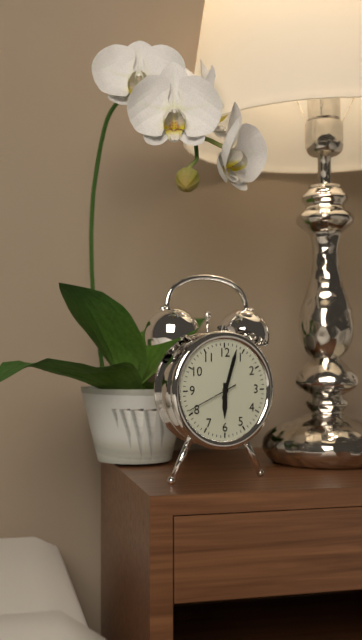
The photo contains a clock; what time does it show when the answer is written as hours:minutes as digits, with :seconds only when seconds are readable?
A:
6:03:41
